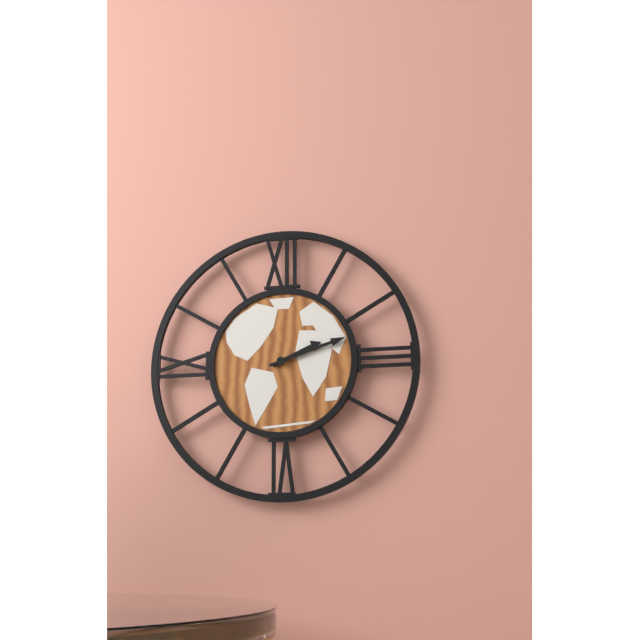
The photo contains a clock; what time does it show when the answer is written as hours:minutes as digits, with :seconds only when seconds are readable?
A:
2:12
